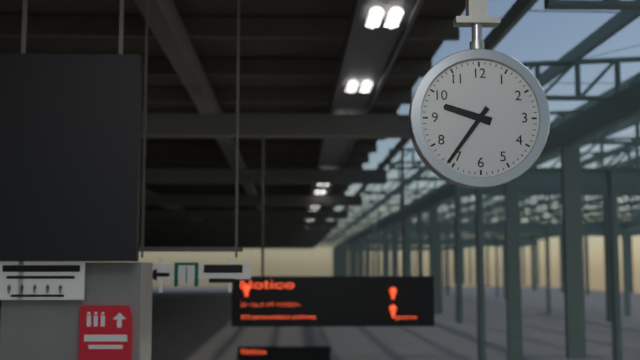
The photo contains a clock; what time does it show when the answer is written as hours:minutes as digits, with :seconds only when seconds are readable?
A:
9:36
